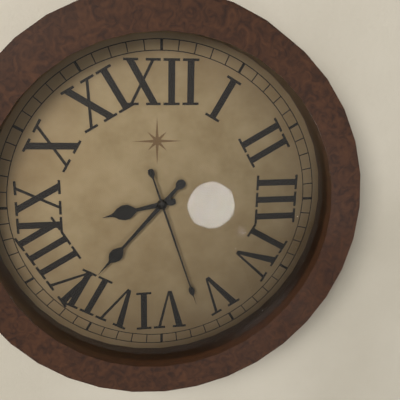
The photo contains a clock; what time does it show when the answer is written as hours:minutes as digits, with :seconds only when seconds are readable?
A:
8:37:27
